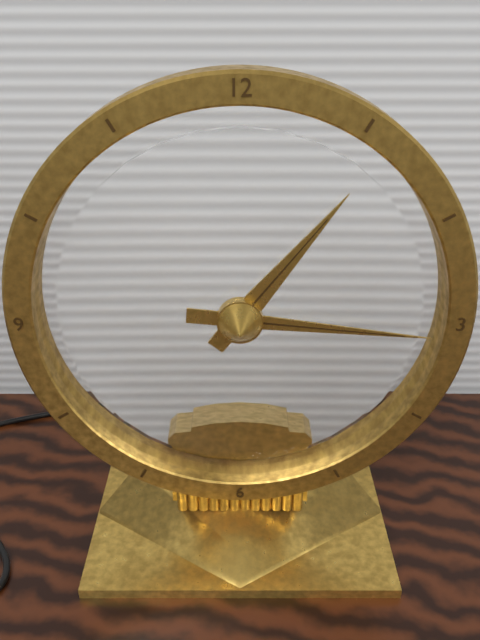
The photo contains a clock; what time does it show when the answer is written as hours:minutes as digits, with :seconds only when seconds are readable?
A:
1:16
